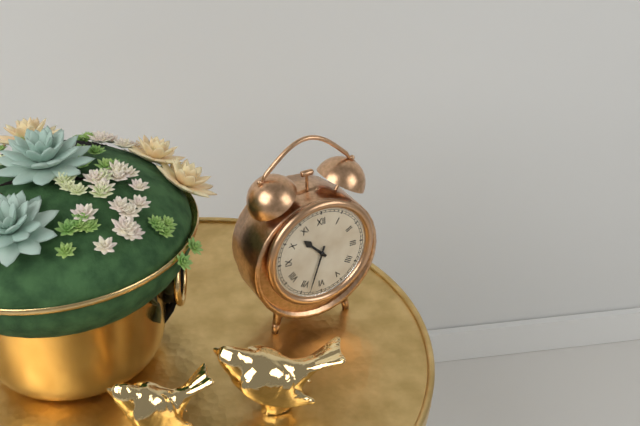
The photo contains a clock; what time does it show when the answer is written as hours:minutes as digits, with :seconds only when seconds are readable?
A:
10:33
